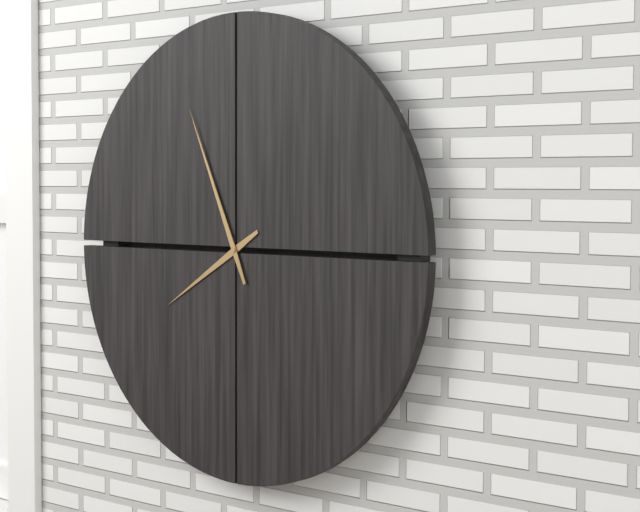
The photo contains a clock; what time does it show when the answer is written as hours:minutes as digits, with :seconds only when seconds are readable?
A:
7:56
